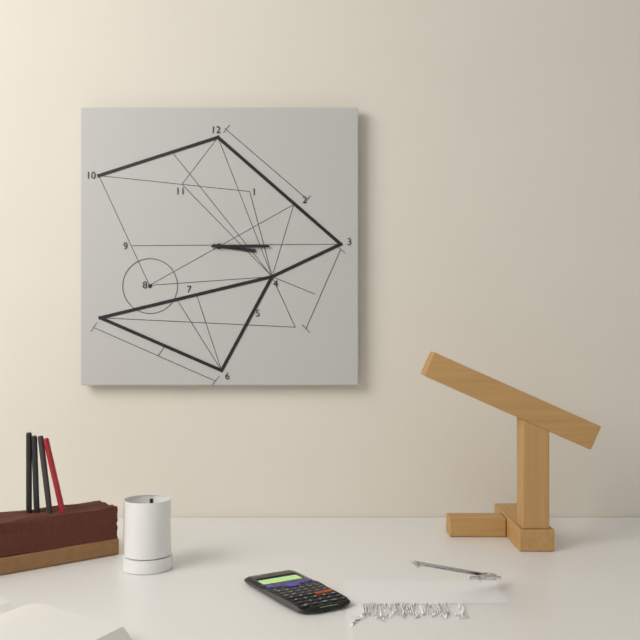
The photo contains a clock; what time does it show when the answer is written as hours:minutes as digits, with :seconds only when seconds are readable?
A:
3:15
